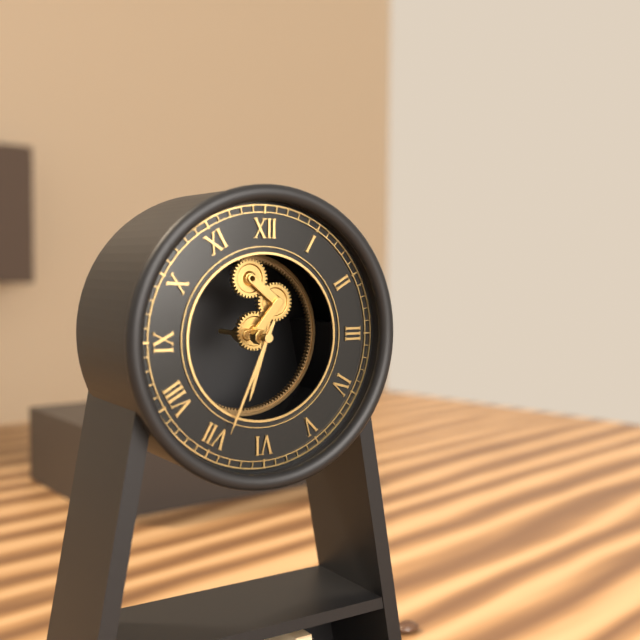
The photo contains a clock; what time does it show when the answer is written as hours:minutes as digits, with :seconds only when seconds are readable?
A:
6:34
